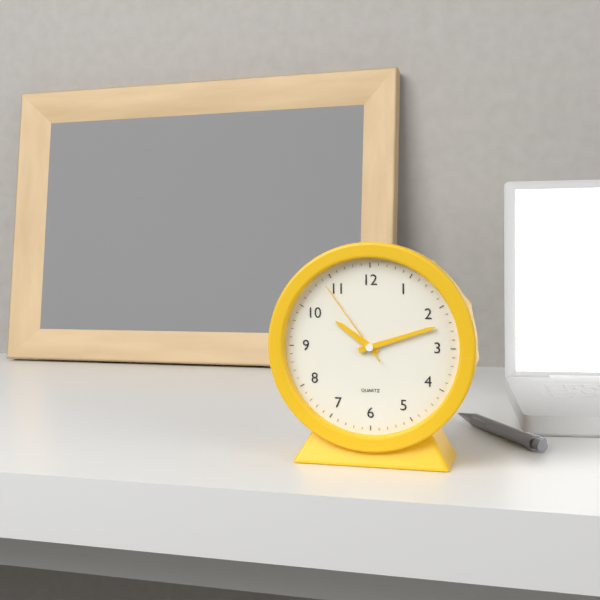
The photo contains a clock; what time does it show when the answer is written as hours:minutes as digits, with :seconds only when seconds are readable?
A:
10:12:54
